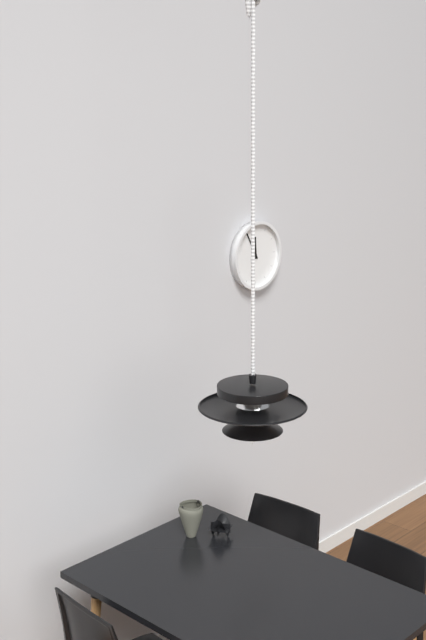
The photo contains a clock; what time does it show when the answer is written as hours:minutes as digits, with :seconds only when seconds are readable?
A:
11:55
